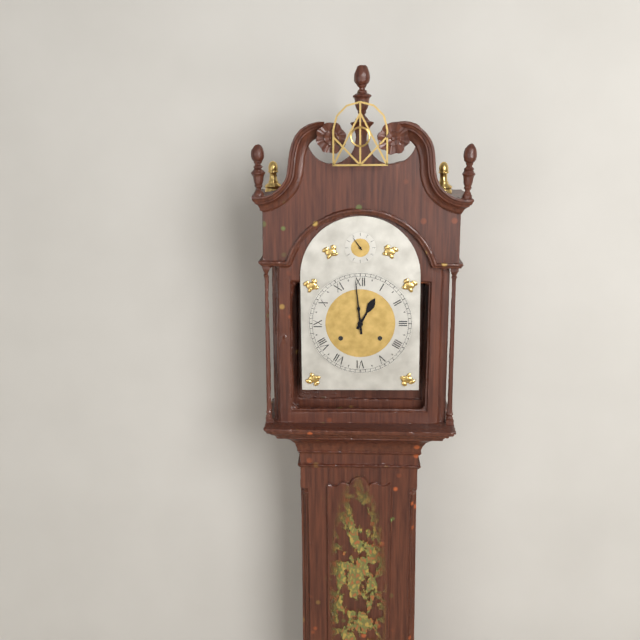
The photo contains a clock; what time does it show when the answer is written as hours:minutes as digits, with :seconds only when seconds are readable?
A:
12:59
